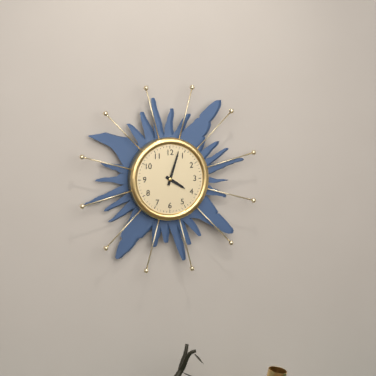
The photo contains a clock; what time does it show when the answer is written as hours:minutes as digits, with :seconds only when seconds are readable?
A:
4:03
